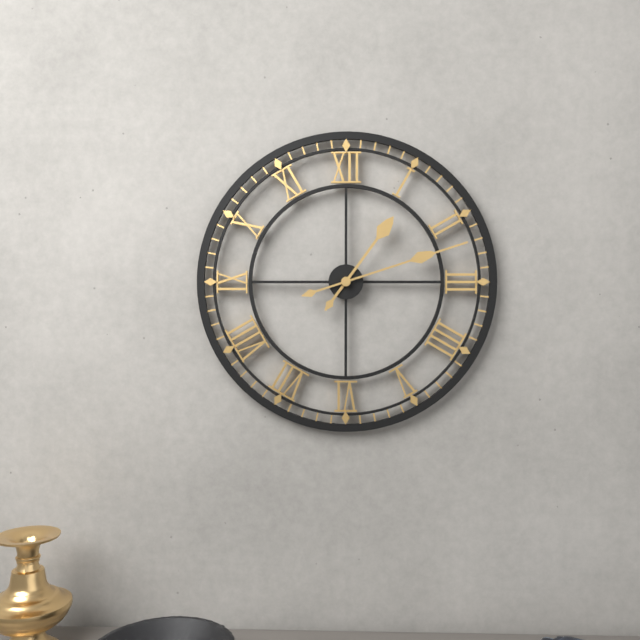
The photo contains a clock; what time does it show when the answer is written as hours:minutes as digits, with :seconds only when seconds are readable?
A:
1:12
